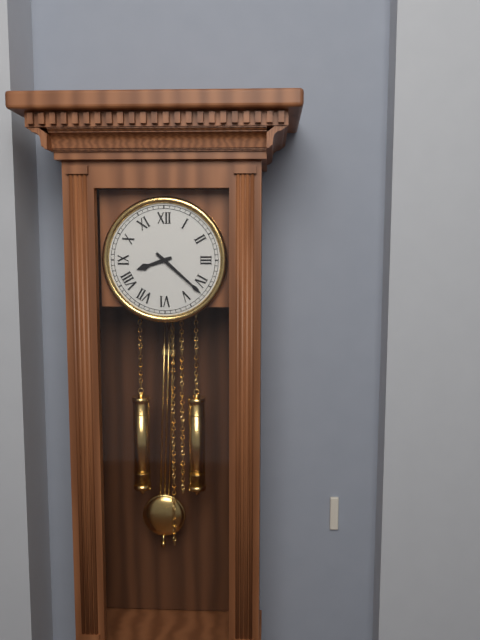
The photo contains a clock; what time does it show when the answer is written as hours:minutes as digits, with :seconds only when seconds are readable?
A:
8:22
